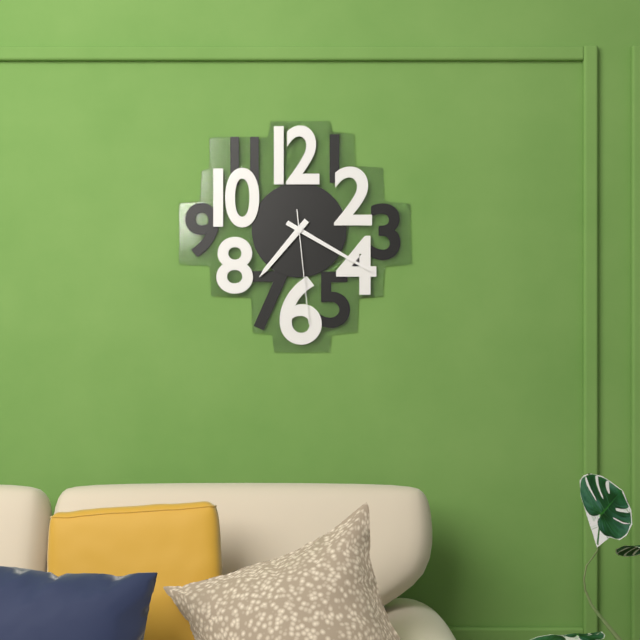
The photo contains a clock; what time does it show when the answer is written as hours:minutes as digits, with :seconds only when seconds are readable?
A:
7:20:29
